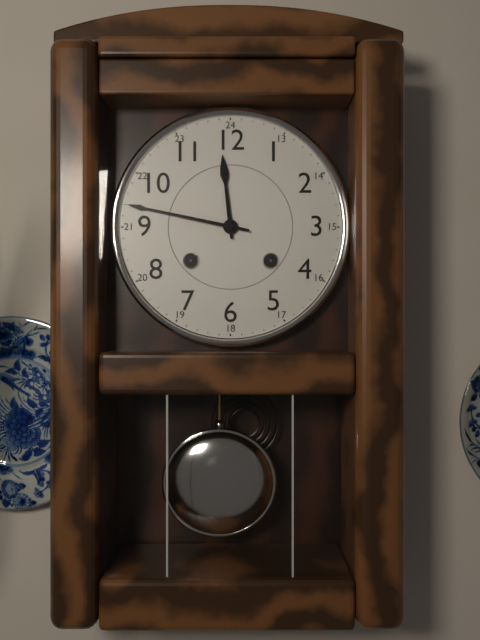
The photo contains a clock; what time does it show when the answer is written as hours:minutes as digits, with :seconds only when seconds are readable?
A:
11:47
